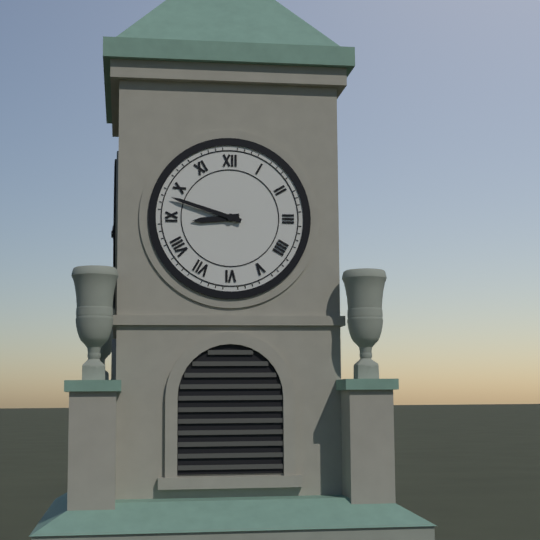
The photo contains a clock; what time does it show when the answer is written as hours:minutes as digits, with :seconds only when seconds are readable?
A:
8:48
